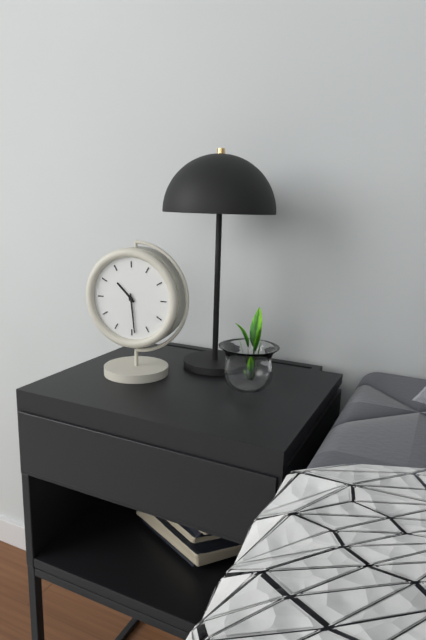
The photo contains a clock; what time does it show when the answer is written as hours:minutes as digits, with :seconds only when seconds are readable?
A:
10:29
